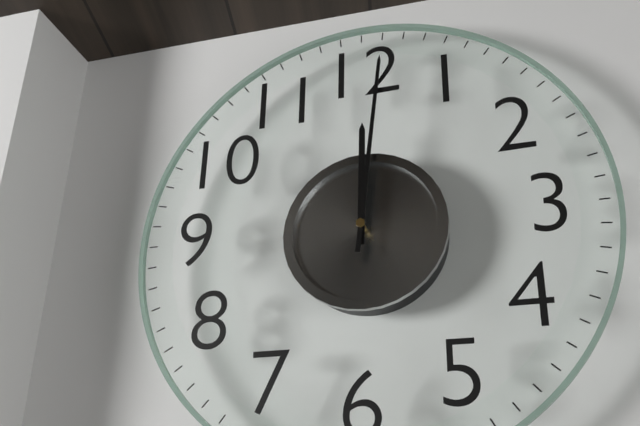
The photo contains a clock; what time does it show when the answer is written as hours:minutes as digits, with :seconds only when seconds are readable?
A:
12:01
